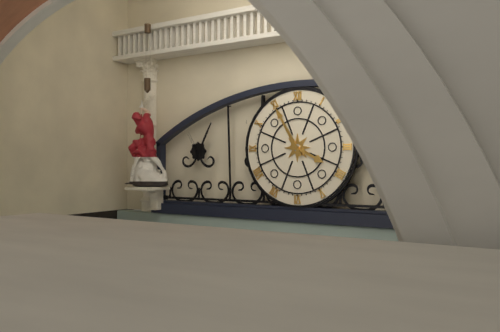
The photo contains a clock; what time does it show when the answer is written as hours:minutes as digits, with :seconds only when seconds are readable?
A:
3:55
